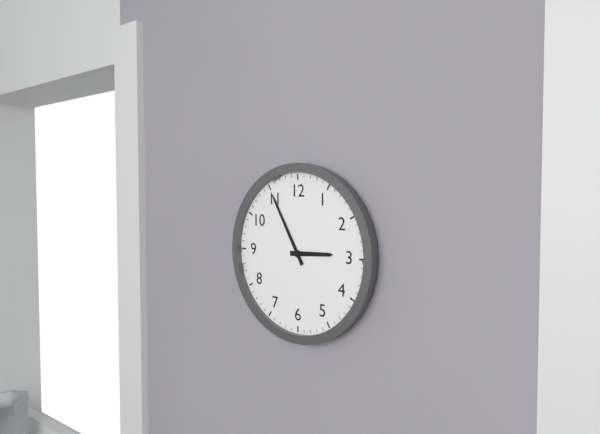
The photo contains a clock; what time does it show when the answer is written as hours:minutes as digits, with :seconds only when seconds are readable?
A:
2:55
